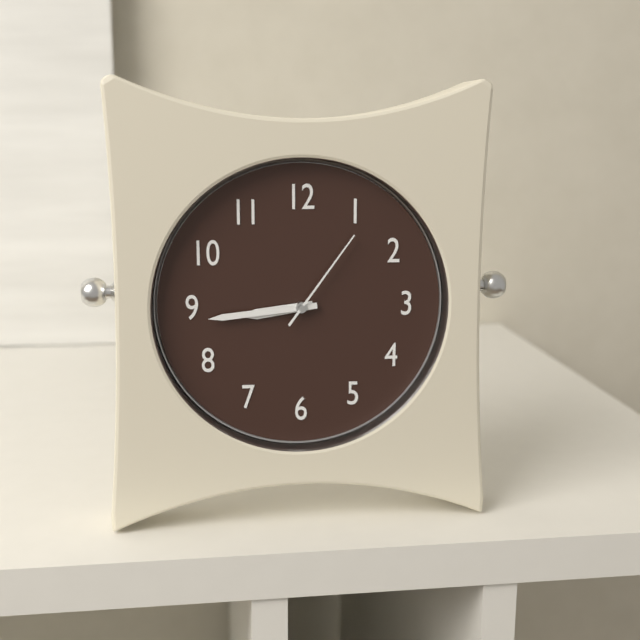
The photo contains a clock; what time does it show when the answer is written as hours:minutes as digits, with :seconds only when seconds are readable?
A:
8:44:06
